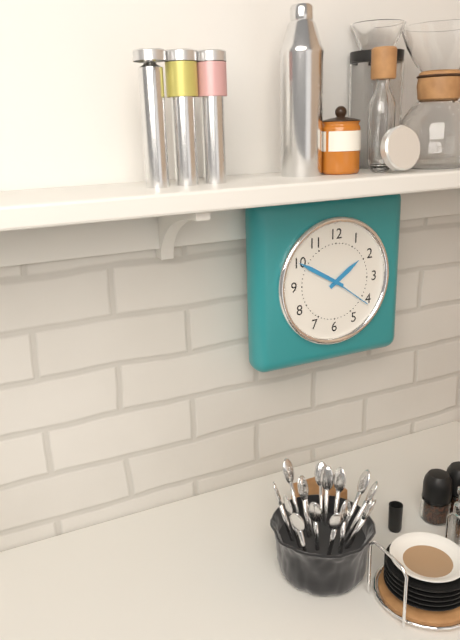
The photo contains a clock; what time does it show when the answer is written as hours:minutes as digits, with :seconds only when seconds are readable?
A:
1:50:21
